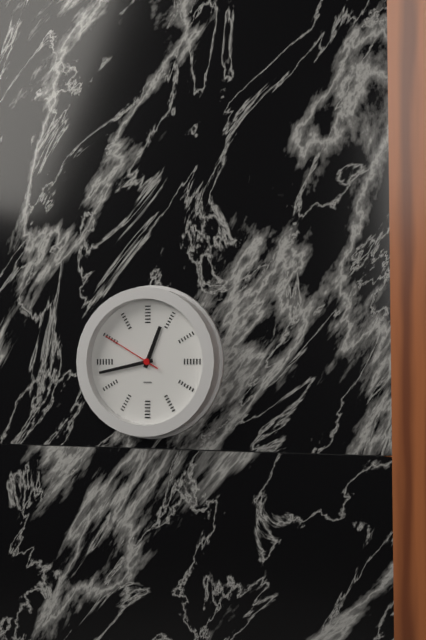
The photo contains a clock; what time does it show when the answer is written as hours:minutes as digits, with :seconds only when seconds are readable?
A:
12:43:50
